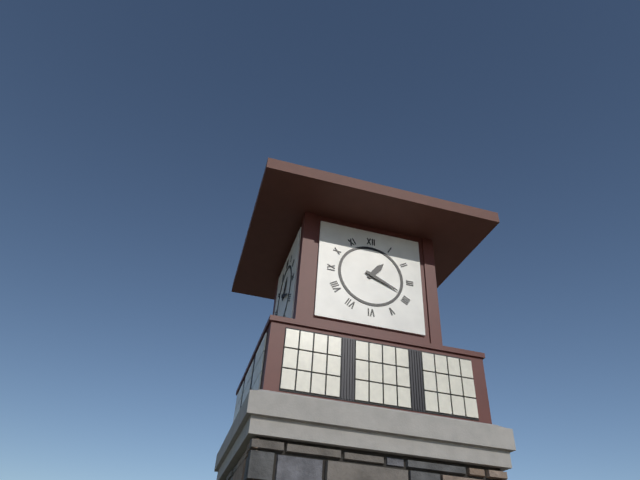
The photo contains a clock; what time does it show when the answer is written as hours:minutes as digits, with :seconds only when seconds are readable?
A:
1:19
